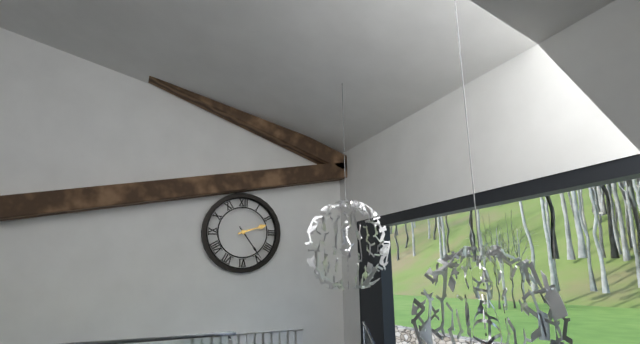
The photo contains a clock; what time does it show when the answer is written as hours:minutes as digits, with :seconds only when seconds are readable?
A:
2:24
